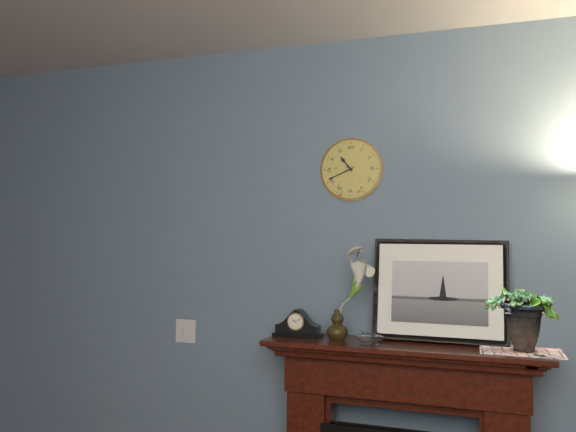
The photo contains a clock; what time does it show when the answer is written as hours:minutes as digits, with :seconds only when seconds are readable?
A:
10:41
